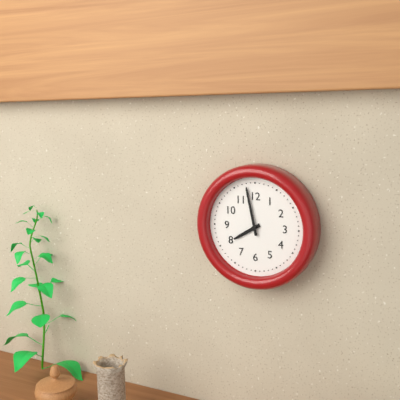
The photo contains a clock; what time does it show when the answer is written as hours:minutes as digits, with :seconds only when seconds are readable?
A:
7:58
